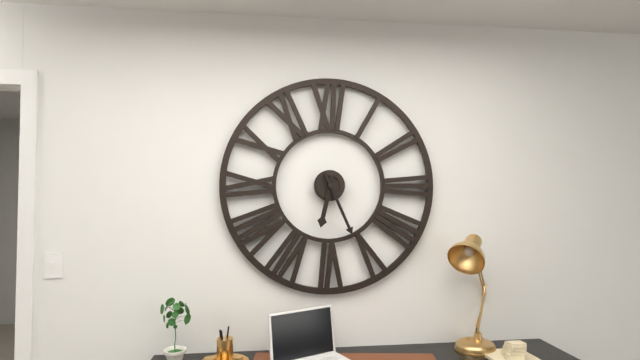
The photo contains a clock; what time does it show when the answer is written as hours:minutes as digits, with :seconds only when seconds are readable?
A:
6:26
